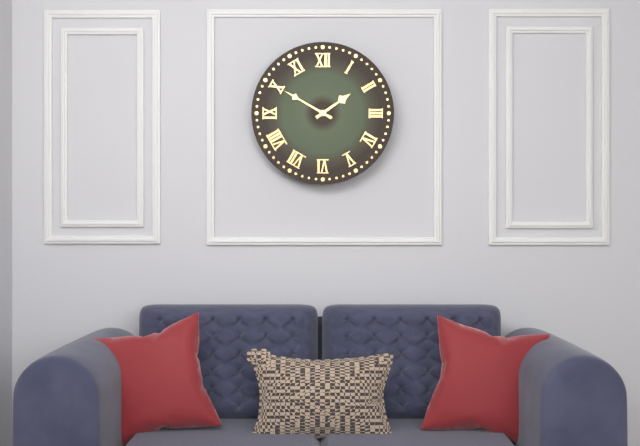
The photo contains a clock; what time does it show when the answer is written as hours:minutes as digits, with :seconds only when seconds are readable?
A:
1:50
